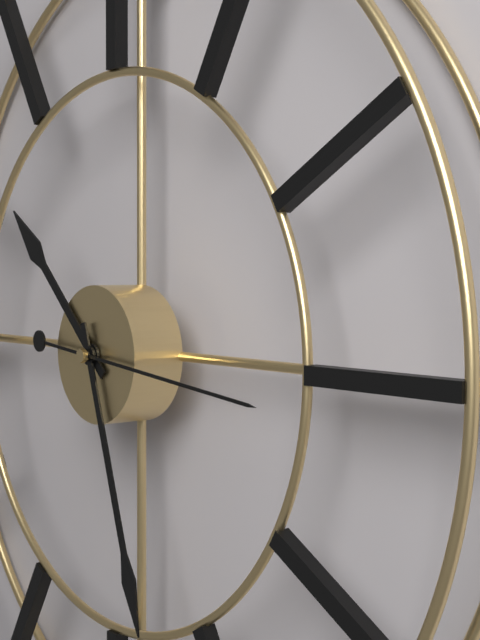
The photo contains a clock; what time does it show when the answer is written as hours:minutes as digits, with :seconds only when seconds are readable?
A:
10:27:16
